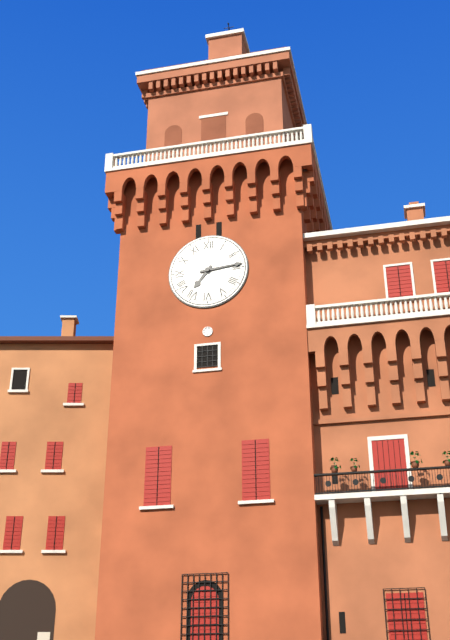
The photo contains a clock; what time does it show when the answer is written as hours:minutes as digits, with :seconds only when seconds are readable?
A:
7:14
